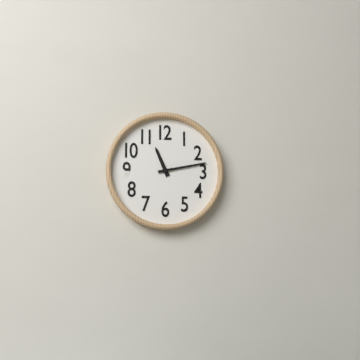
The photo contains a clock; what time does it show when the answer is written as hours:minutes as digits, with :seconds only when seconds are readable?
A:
11:13
